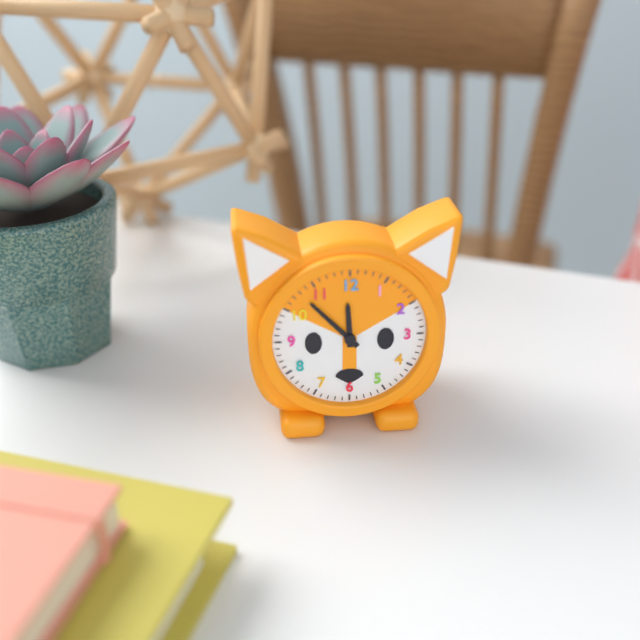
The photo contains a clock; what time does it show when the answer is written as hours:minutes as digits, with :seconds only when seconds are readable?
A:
11:53
